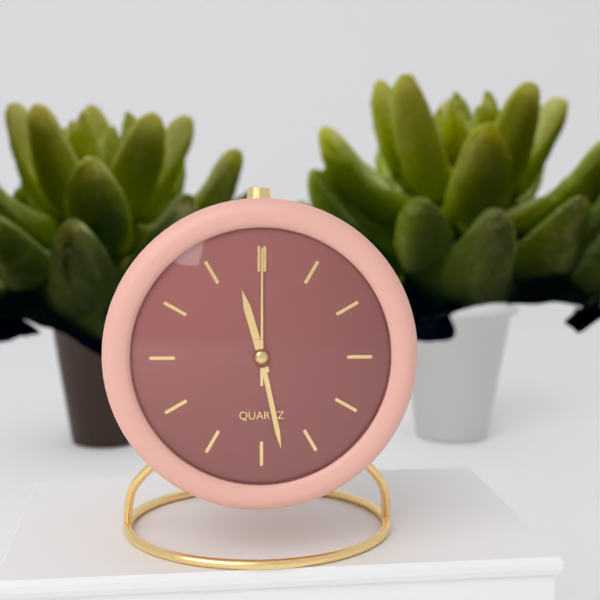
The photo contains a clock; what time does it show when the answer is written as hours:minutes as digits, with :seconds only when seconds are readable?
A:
11:28:00
